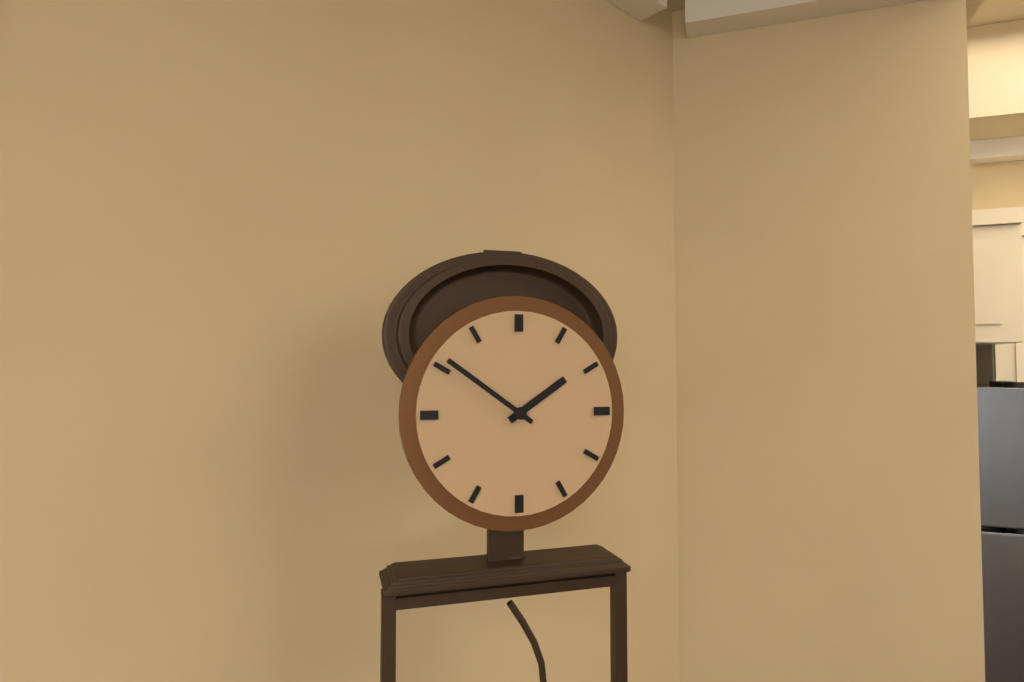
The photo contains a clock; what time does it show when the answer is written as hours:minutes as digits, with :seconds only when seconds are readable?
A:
1:51
